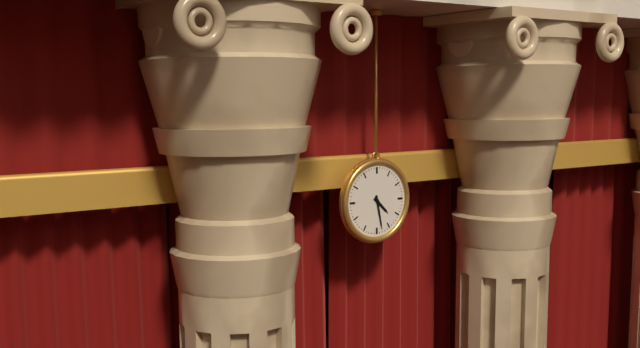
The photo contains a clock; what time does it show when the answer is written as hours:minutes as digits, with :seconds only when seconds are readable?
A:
4:28
